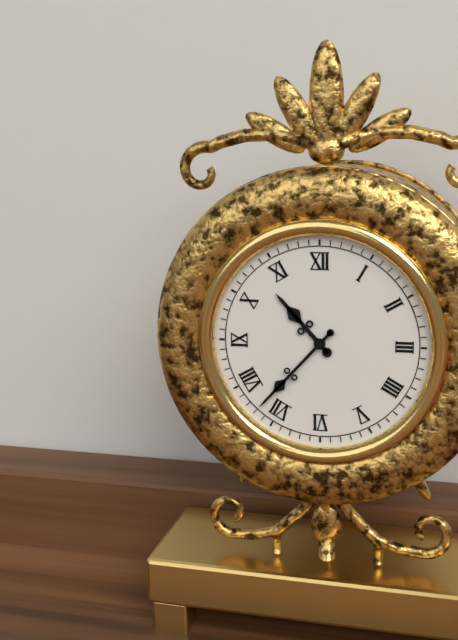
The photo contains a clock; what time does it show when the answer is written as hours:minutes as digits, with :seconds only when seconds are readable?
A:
10:37
